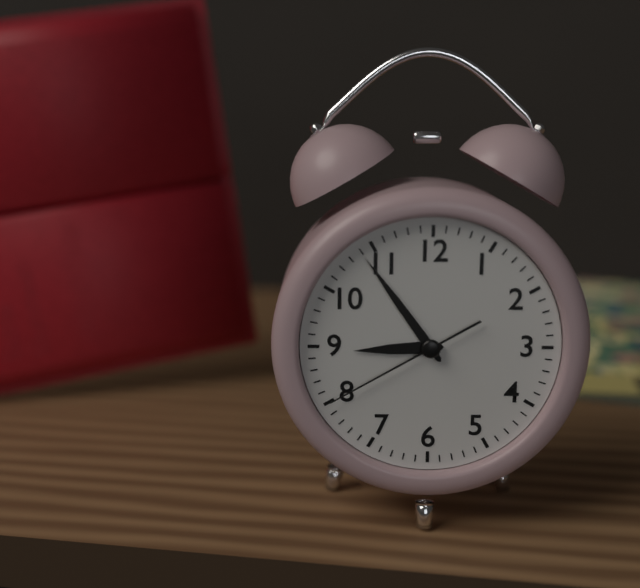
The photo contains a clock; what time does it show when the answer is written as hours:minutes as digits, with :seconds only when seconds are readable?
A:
8:54:40
